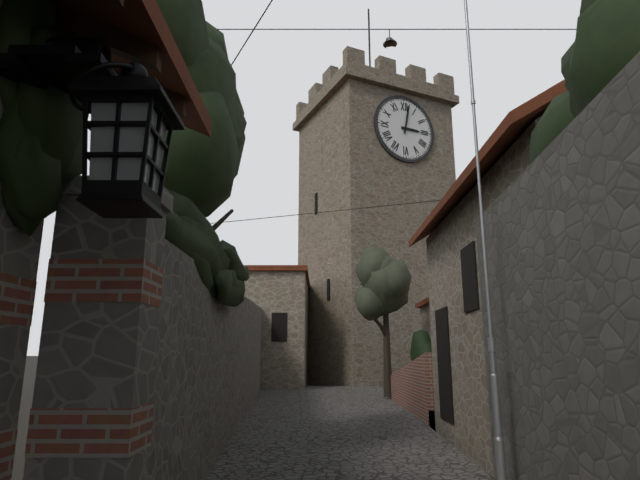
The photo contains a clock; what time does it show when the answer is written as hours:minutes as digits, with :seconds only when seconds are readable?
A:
3:02
